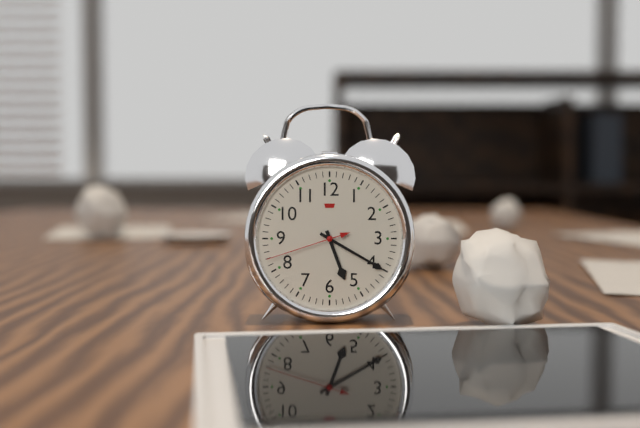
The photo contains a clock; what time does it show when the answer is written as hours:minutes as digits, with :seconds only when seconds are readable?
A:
5:20:42
